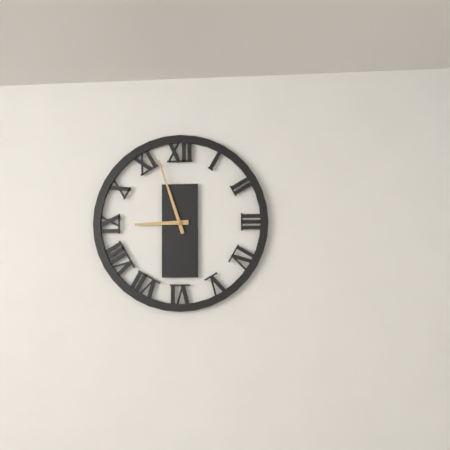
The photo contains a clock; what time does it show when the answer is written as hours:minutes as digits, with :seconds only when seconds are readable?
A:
8:57
